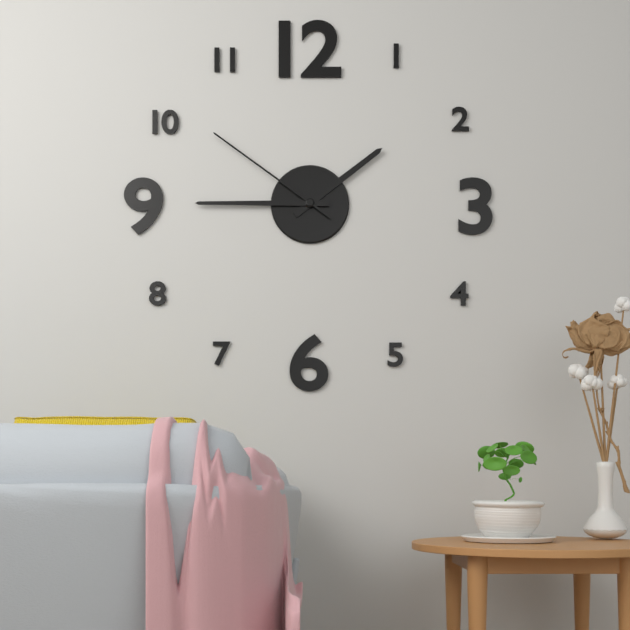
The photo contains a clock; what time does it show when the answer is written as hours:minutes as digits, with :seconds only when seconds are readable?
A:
1:45:51
